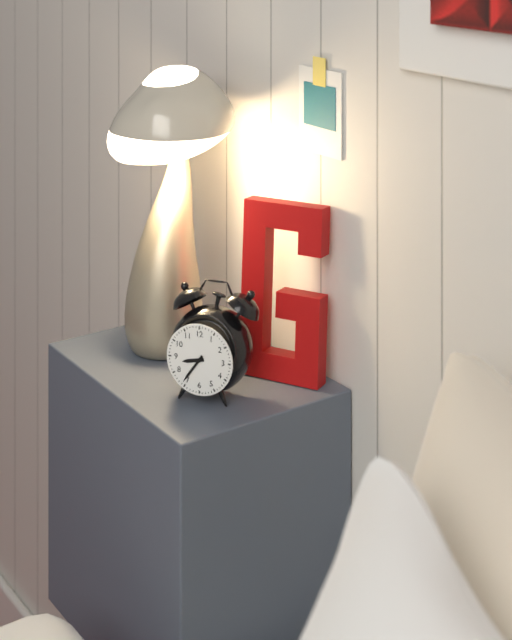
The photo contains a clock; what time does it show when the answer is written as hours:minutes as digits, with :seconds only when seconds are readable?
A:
8:36
